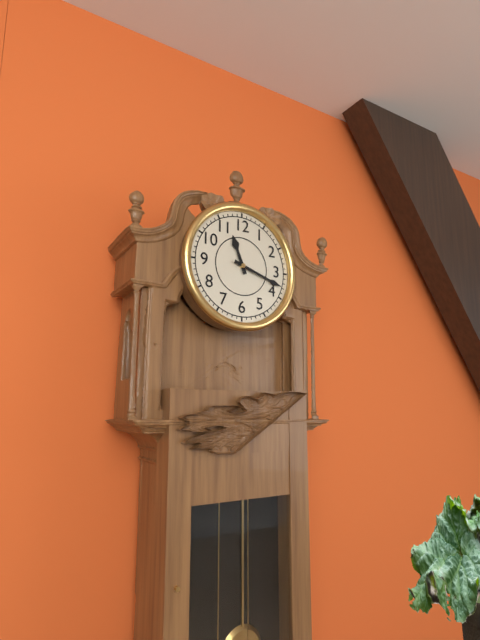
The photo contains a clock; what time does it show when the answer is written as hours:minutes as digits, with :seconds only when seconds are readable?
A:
11:18
